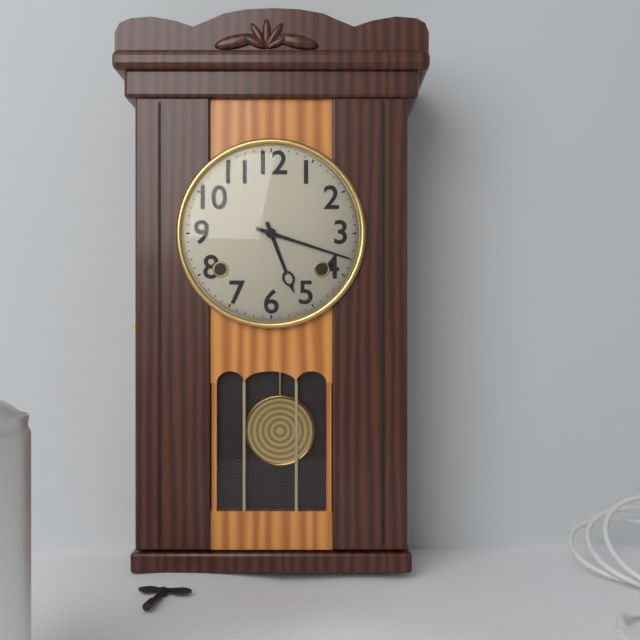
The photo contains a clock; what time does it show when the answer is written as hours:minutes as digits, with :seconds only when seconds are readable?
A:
5:18
